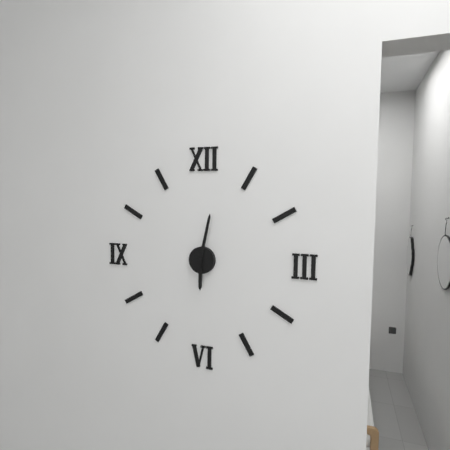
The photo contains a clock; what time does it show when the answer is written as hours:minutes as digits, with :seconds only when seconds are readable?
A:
6:02
